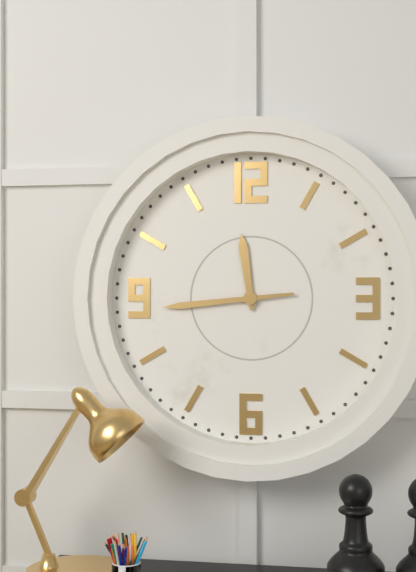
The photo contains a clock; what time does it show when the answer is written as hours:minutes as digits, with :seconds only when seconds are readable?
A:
11:44
